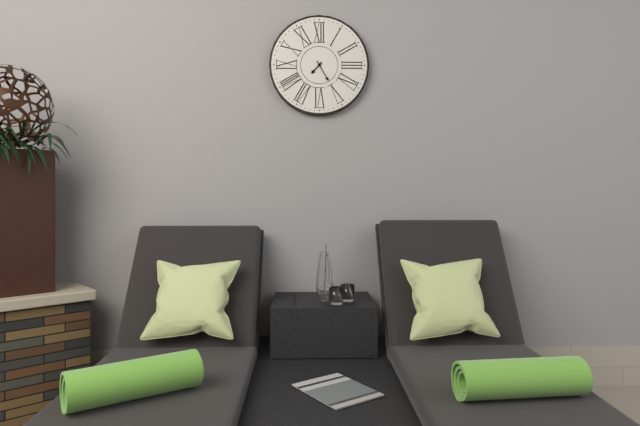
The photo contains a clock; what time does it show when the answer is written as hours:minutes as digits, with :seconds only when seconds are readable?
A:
7:25
